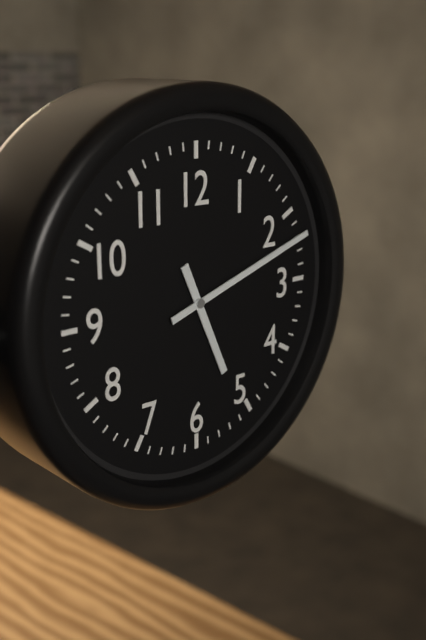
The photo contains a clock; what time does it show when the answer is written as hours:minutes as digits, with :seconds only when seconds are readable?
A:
5:12
